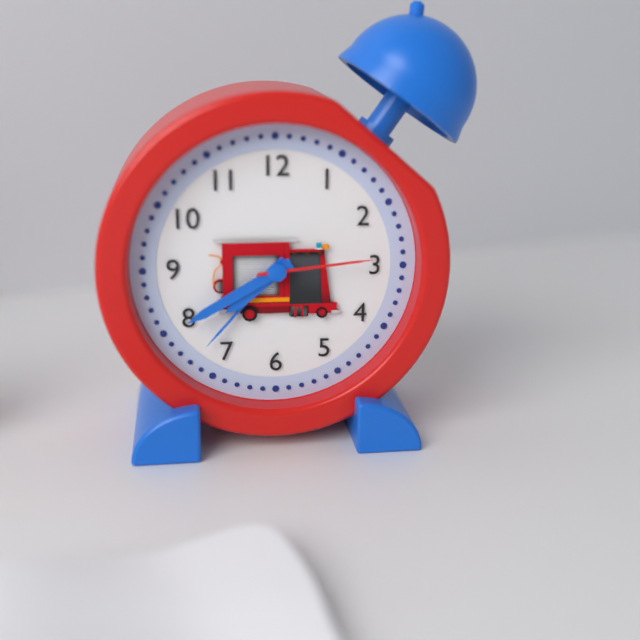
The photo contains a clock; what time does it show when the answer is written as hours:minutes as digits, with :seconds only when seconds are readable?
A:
7:40:14
